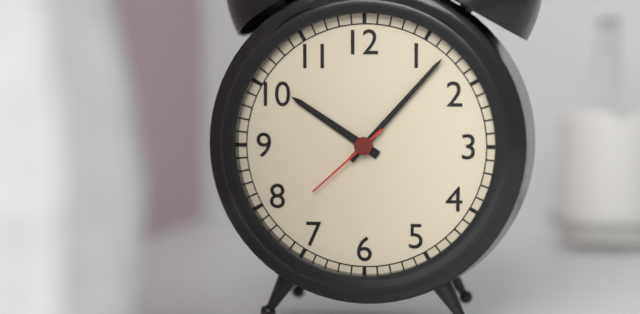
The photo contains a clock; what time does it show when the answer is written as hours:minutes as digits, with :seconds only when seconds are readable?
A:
10:07:38
